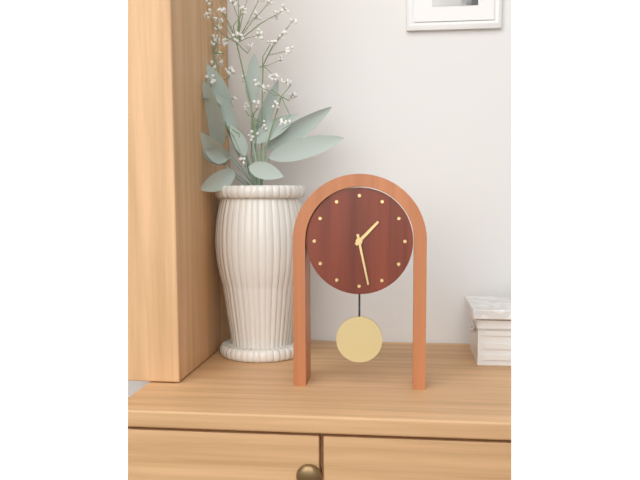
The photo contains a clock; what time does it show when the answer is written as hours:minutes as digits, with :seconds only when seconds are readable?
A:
1:28
